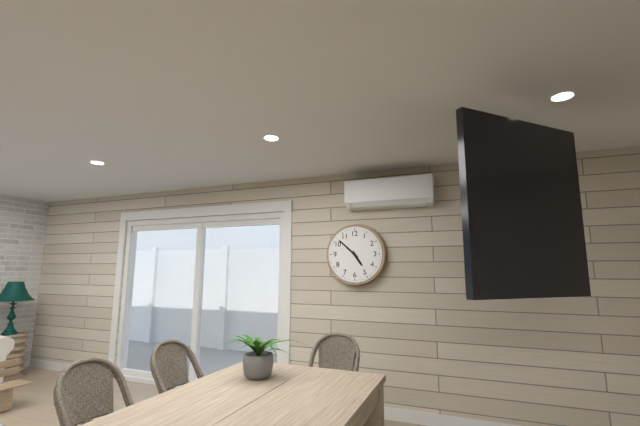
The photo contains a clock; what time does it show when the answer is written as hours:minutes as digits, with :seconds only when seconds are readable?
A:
4:52
